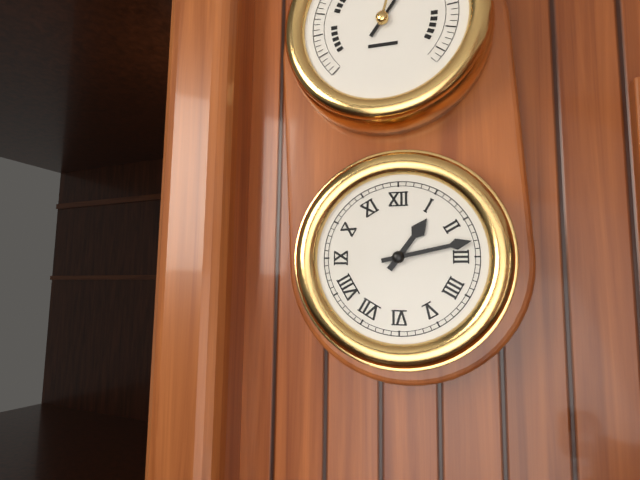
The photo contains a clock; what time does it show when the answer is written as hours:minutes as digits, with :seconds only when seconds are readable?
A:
1:13
